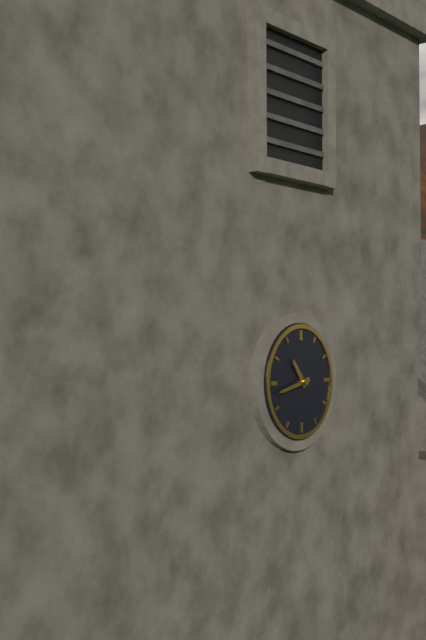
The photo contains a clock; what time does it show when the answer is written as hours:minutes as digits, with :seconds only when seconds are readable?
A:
10:43
